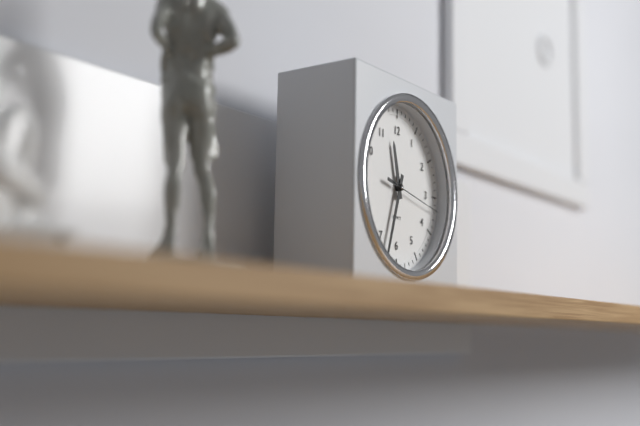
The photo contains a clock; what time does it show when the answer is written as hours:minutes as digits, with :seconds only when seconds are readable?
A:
11:33
